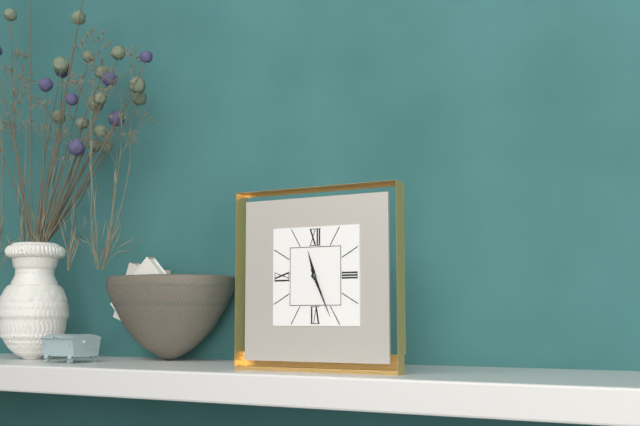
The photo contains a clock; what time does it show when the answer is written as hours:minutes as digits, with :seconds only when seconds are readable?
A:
11:26
